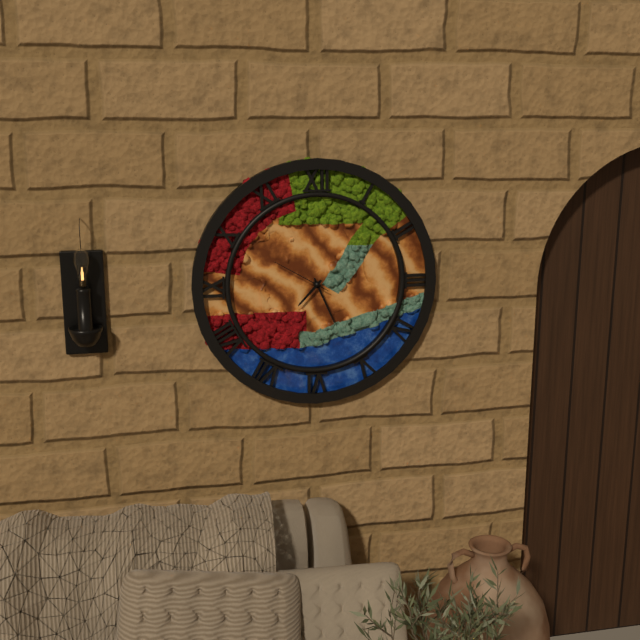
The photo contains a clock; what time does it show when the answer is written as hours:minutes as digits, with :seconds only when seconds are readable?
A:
7:26:50
